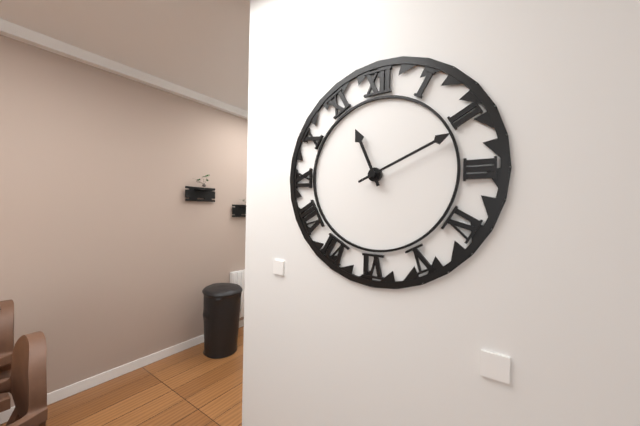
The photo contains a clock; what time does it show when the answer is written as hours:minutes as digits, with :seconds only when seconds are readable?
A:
11:11
